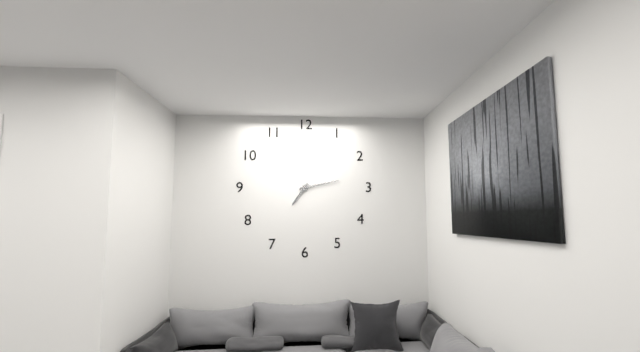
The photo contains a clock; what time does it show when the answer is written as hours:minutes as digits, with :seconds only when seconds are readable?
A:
7:13
